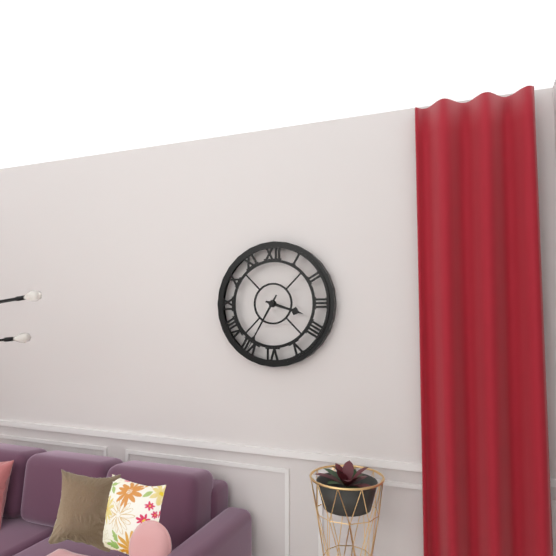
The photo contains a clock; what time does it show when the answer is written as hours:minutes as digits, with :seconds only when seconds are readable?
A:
3:35
